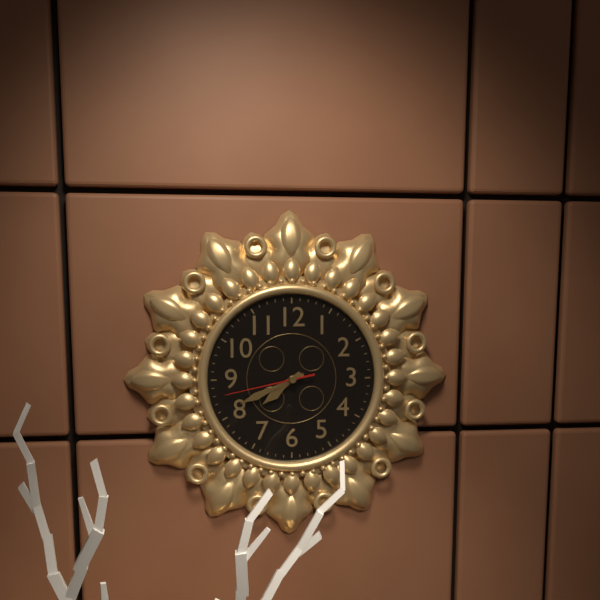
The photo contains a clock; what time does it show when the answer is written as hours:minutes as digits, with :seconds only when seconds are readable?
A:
7:41:43
